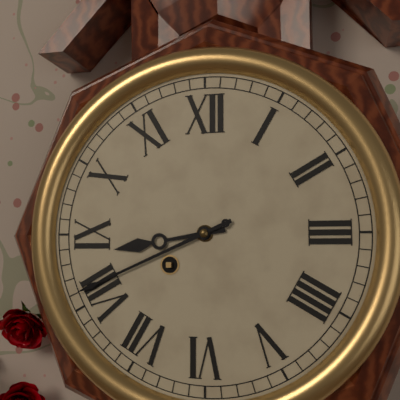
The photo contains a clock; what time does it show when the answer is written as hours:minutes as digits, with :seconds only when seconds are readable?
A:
8:41
